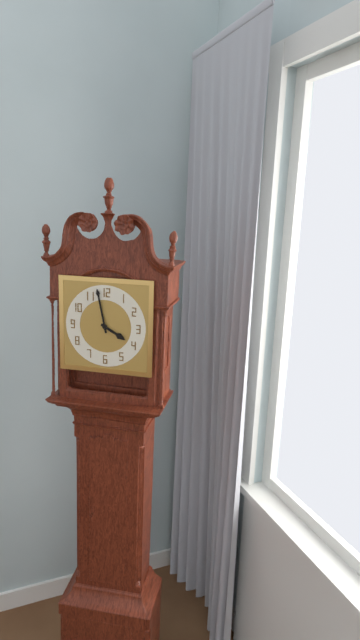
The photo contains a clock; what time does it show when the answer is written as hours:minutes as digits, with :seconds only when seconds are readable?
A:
3:58
